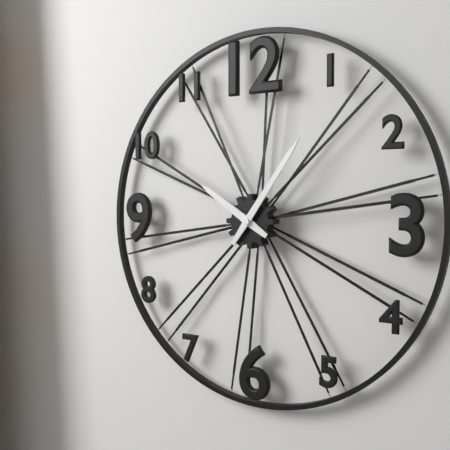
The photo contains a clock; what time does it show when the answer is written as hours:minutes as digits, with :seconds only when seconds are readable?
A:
10:06
